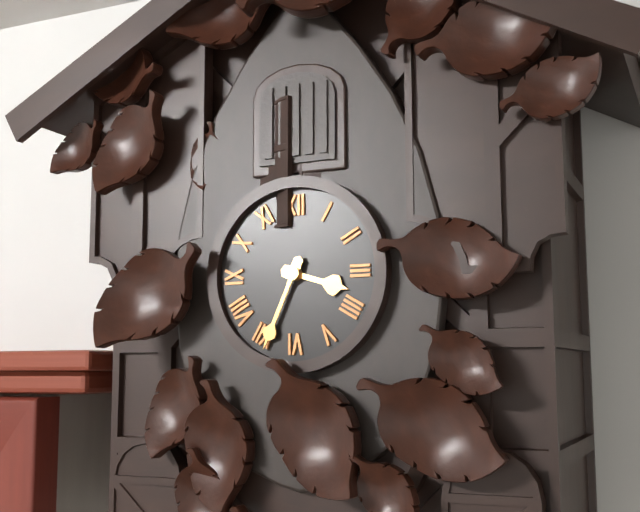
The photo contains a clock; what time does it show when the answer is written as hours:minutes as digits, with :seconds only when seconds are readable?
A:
3:34
